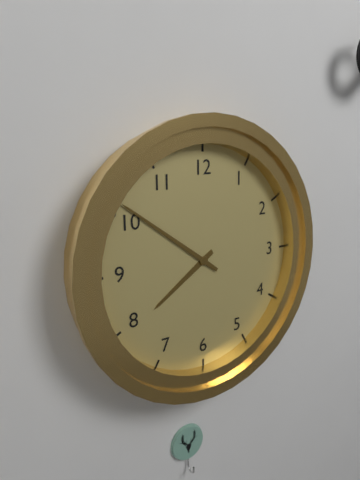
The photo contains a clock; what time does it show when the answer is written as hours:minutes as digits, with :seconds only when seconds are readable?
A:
7:51
